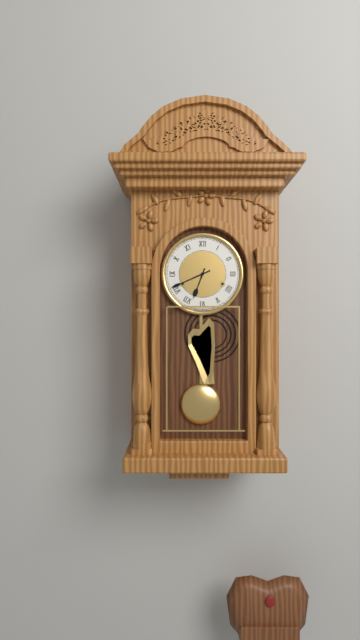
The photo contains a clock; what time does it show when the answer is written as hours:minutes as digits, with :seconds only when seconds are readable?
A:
6:41
